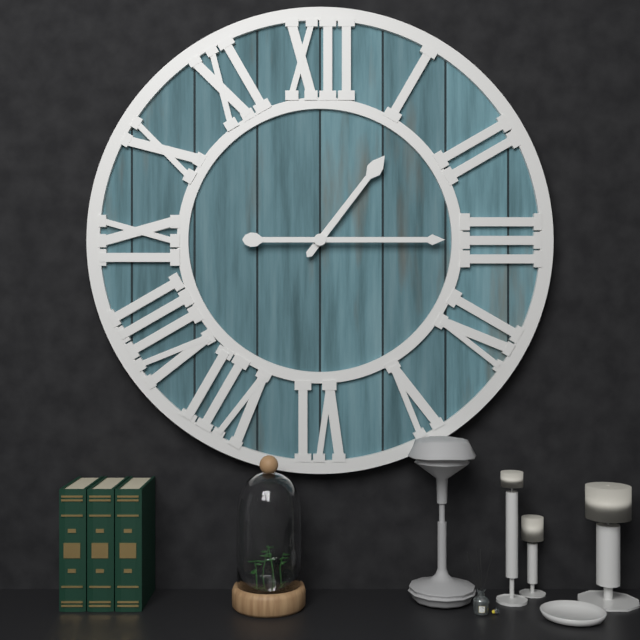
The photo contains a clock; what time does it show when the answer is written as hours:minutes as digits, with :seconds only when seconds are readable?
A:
1:15
